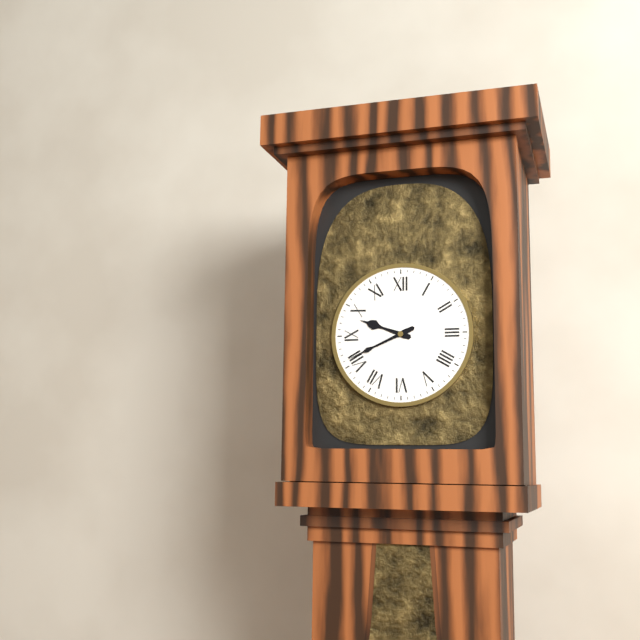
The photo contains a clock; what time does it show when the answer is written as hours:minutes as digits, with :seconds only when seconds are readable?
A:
9:41
